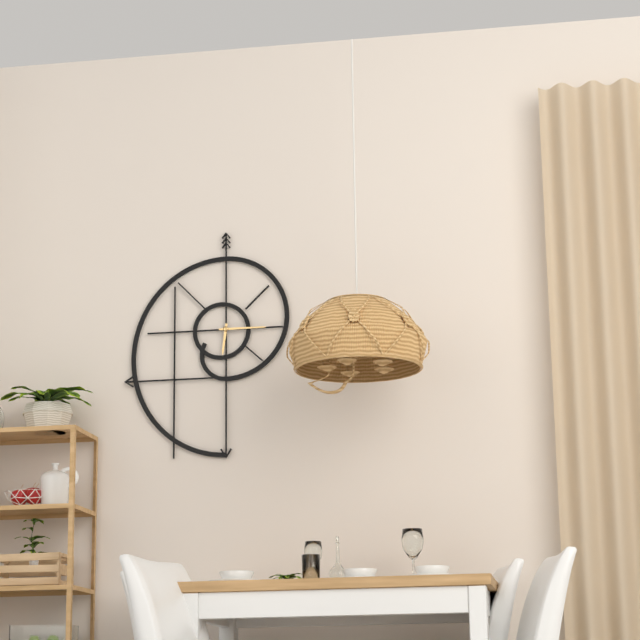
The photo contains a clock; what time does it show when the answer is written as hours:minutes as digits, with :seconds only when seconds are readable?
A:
6:15
